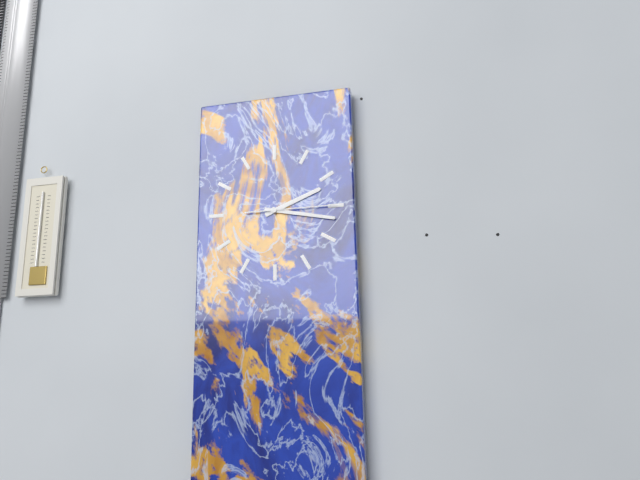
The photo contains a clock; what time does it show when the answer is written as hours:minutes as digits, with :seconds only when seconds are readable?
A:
2:17:15
